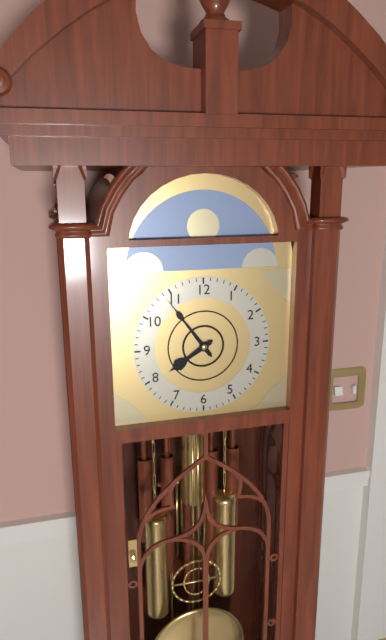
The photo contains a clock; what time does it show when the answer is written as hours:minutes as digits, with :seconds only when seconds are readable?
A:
7:54
